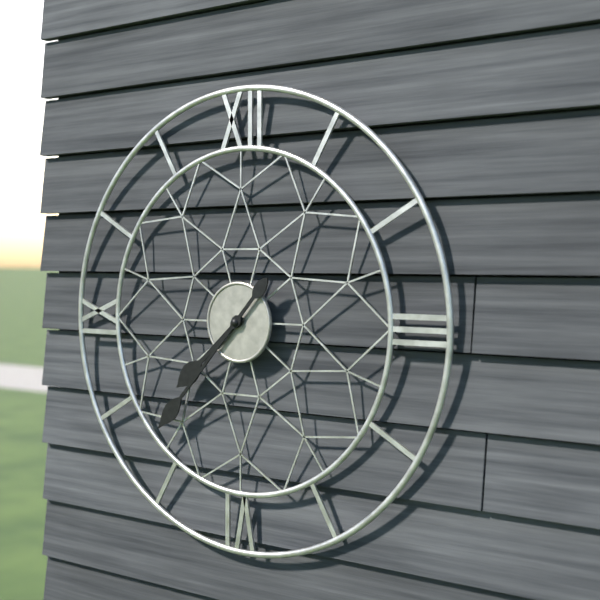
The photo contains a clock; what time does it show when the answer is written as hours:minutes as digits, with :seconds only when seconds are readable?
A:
7:37
